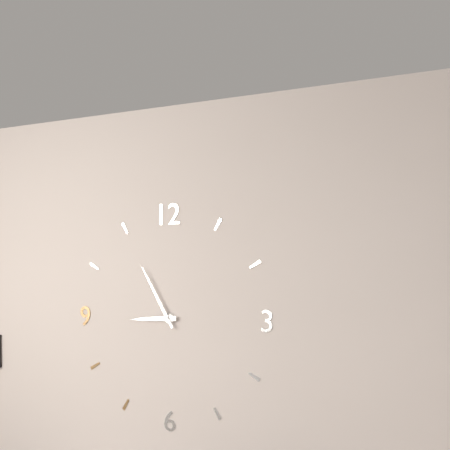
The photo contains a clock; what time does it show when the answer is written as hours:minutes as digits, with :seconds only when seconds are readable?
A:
8:55
